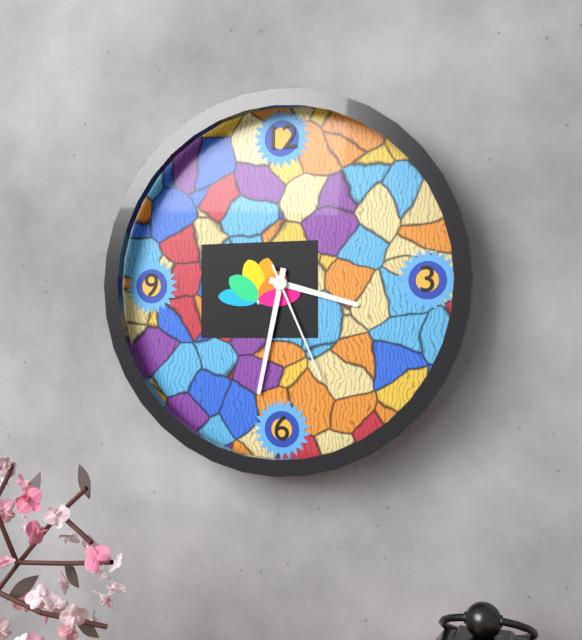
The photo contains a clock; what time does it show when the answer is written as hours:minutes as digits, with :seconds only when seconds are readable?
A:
3:32:26
